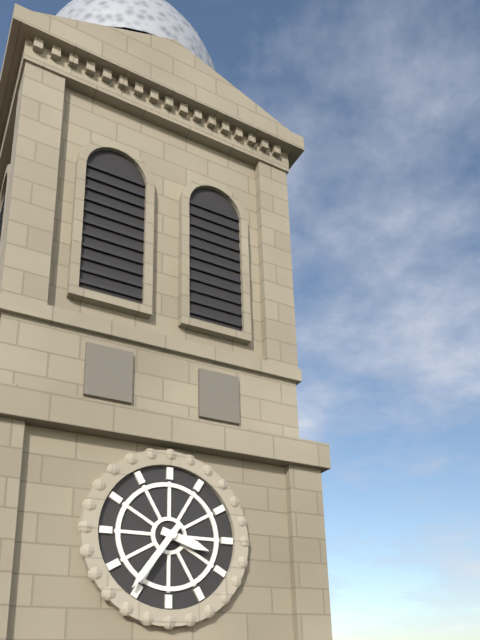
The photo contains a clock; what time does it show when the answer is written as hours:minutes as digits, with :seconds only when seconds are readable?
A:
3:36
